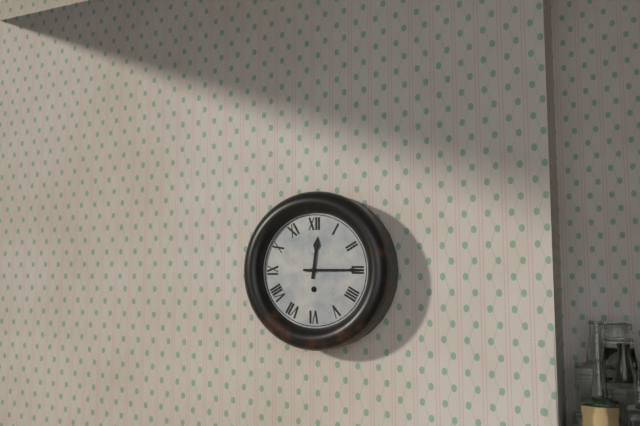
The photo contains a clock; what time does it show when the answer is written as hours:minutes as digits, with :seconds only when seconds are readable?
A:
12:15
